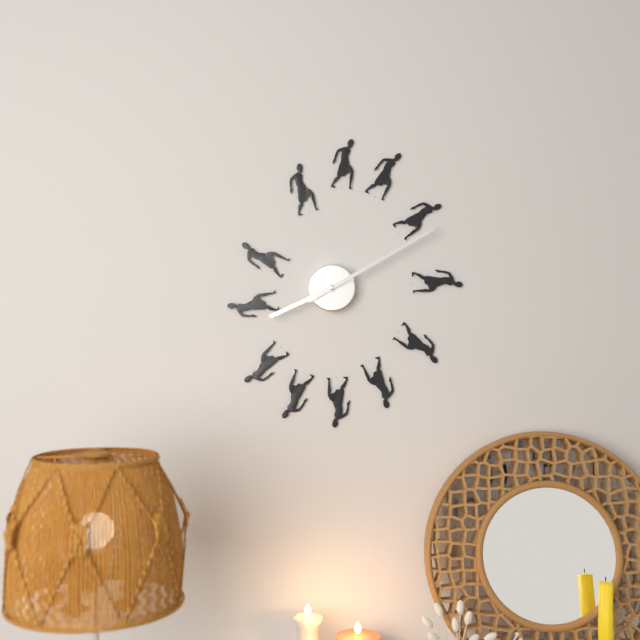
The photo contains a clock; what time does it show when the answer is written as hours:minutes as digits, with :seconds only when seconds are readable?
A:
8:10
